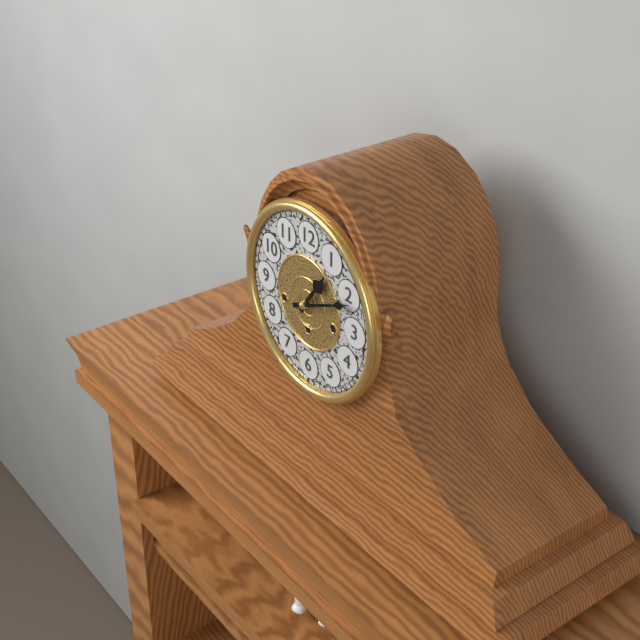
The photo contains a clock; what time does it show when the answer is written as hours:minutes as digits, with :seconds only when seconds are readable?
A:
1:11
